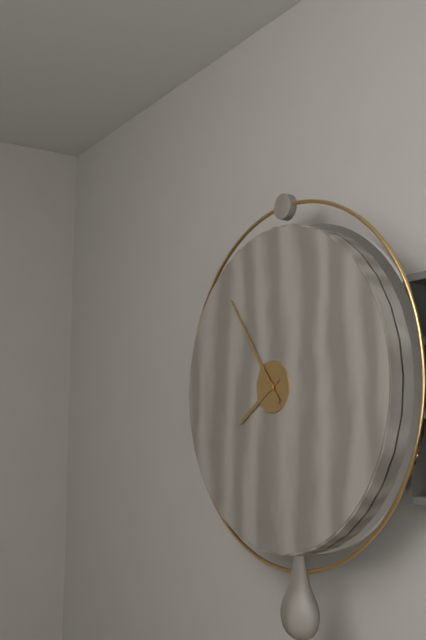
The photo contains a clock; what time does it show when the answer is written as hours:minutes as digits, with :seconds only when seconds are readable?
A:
7:54
